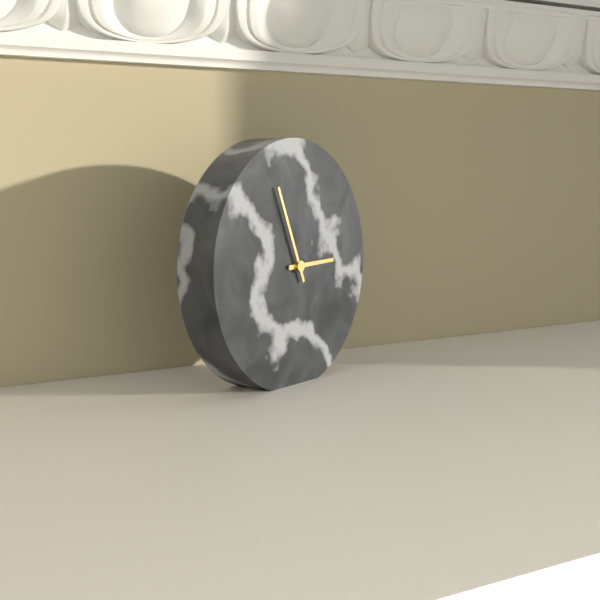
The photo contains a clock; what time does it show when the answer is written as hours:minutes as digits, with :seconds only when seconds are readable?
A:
2:56
